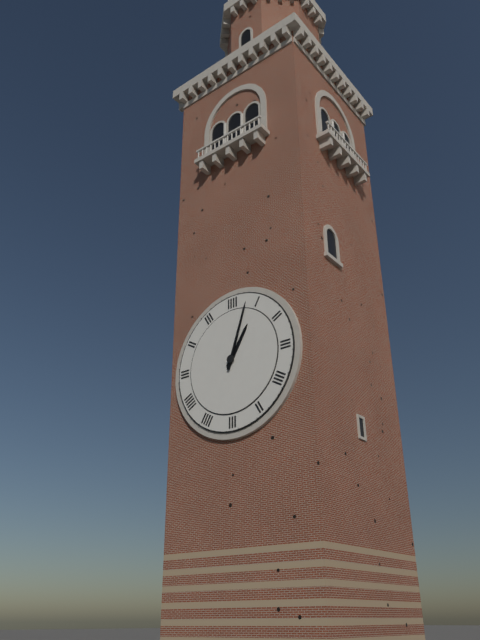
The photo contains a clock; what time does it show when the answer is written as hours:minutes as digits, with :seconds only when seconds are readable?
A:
1:03
